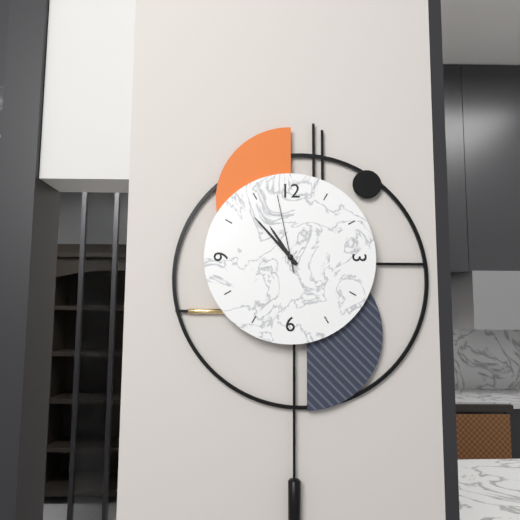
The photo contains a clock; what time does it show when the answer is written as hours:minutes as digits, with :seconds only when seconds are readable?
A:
10:53:58
